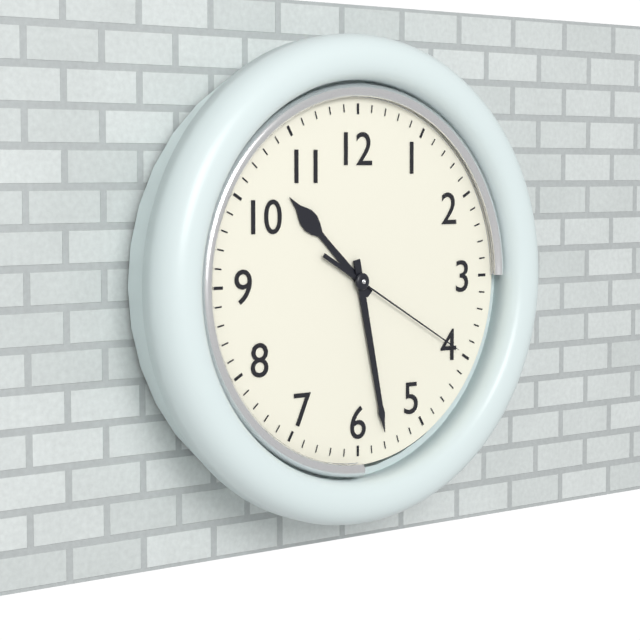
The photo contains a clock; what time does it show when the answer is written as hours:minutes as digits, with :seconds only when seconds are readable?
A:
10:28:20
